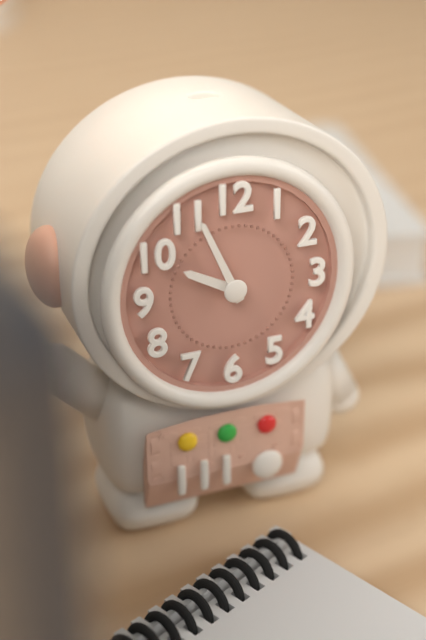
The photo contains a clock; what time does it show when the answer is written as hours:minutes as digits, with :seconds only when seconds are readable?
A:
9:56
